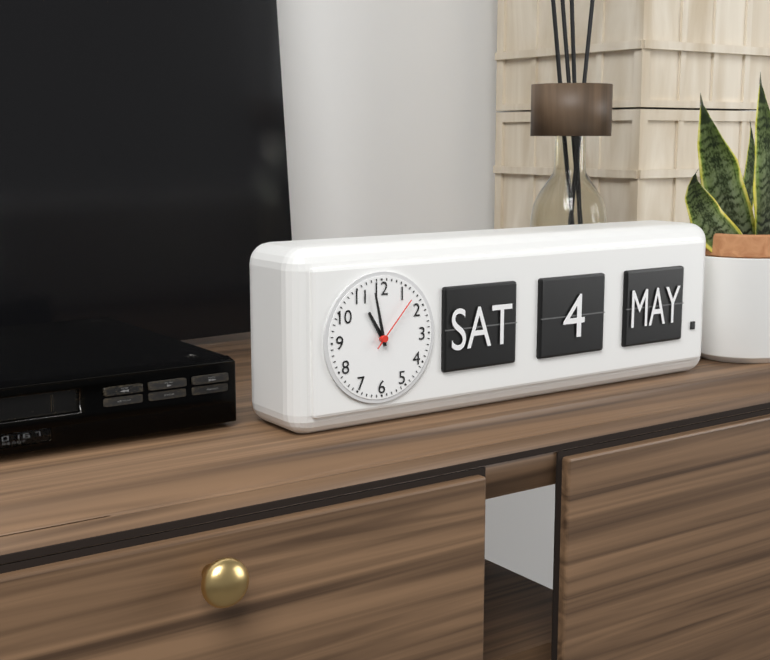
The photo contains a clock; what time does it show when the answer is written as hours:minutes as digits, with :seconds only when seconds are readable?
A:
10:58:07
